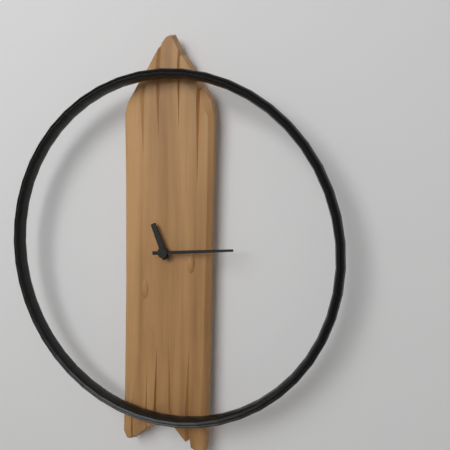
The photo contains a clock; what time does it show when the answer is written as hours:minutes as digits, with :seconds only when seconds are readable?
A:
11:14
